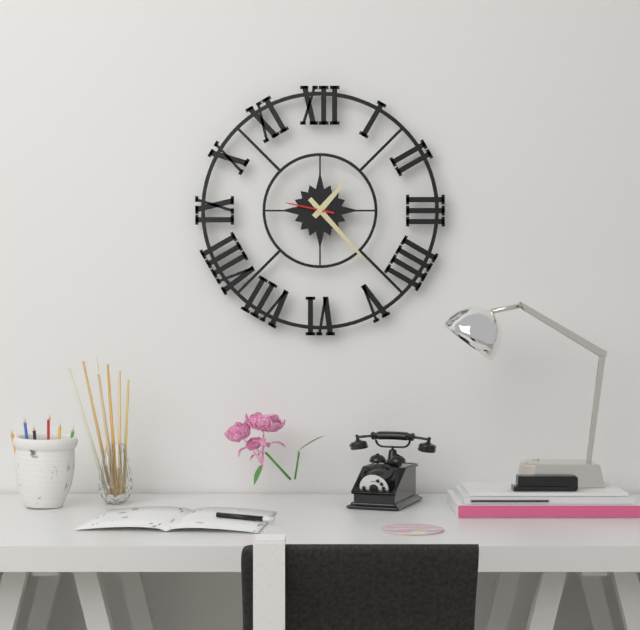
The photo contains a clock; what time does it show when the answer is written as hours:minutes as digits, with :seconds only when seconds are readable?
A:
1:23
